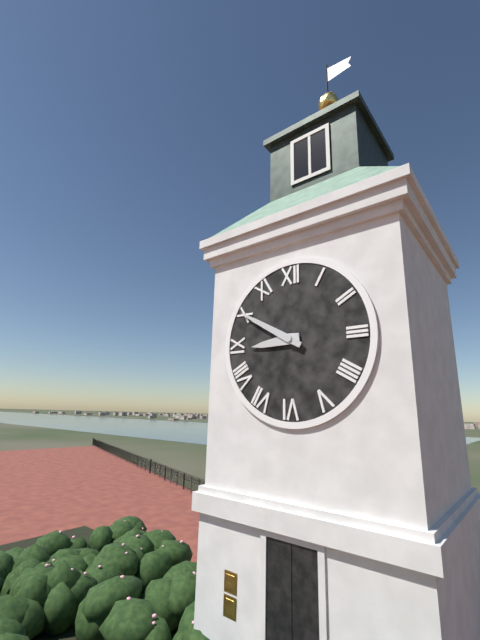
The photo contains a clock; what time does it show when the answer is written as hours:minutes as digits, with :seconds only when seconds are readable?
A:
8:50
